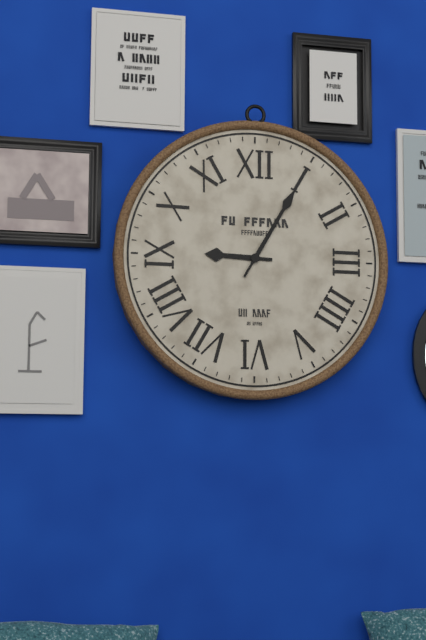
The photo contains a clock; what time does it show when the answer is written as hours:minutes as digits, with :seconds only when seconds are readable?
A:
9:05
